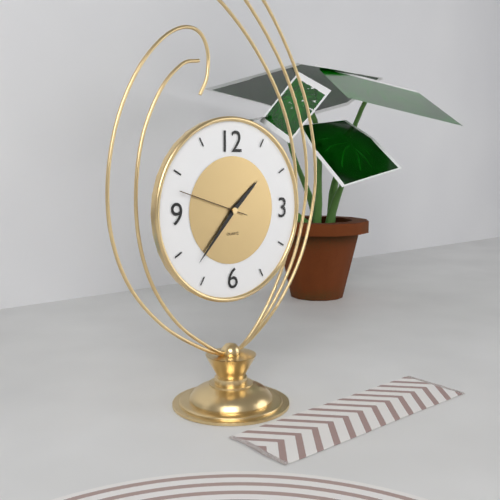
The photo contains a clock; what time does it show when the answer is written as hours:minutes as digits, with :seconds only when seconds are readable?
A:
1:37:48
